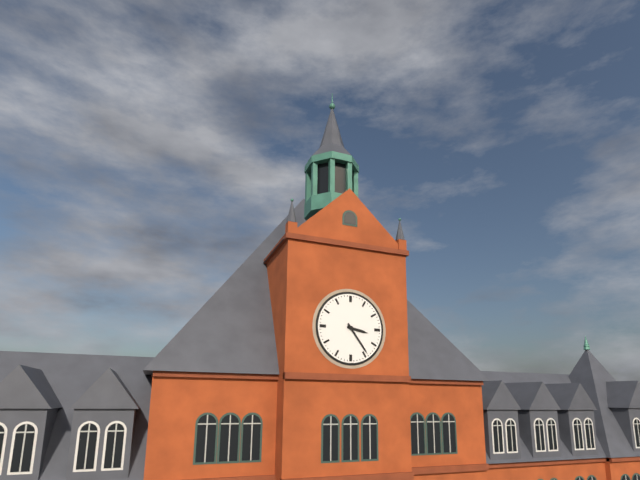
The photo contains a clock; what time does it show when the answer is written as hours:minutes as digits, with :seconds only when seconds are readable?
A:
3:24
